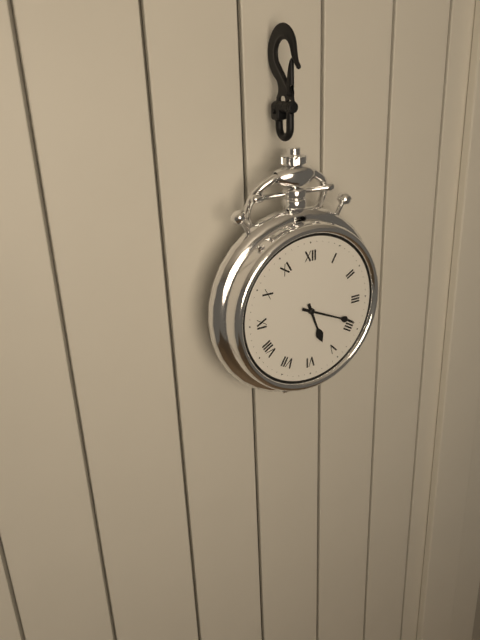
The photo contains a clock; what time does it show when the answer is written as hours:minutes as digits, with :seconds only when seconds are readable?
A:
5:19
